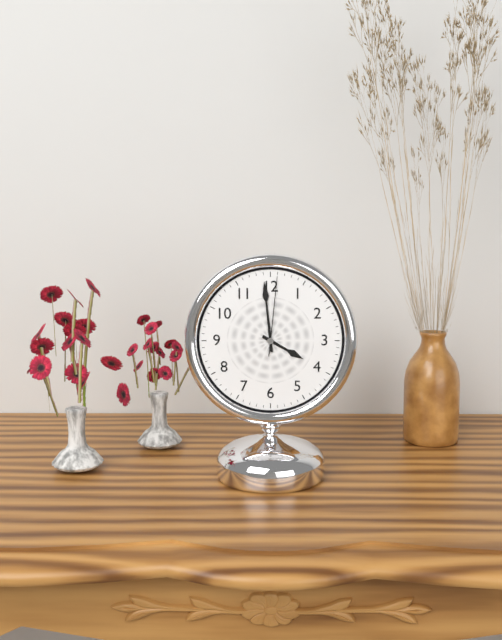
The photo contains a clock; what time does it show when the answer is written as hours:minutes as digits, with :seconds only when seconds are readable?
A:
3:59:01
